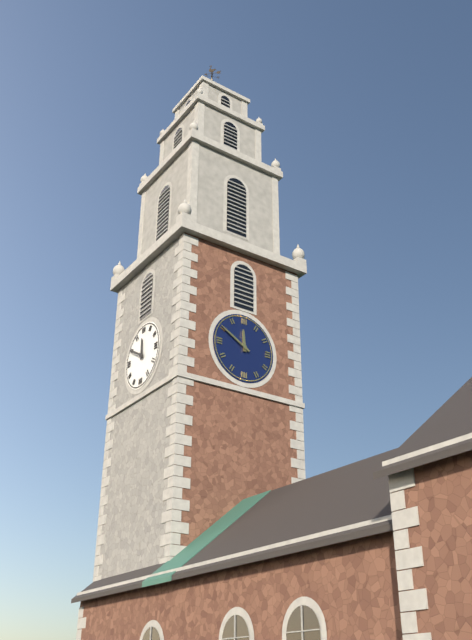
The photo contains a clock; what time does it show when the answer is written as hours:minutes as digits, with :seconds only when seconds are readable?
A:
11:50
